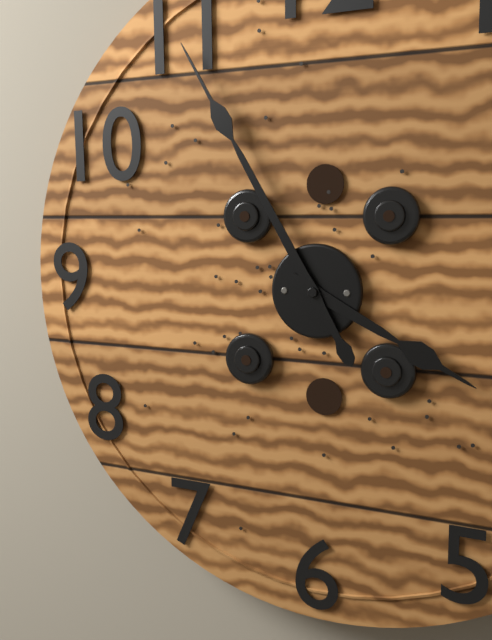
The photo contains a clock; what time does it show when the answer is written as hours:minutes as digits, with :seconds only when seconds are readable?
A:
3:55
